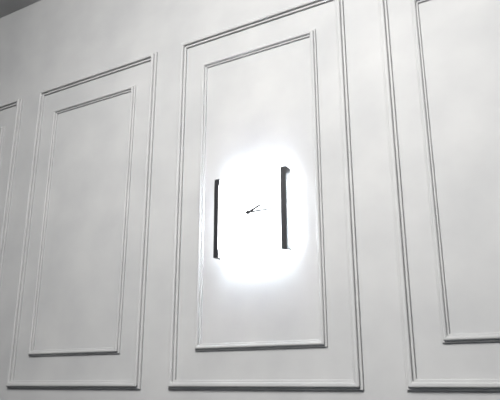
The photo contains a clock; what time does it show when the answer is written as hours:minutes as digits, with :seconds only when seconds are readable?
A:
2:15
